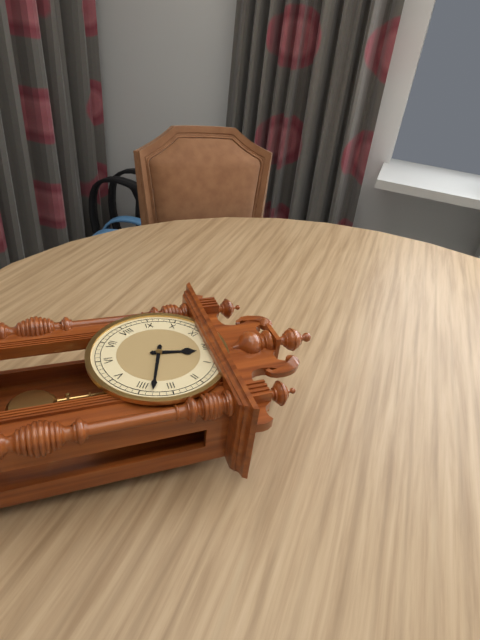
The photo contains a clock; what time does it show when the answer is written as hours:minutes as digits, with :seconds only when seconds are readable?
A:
12:18
